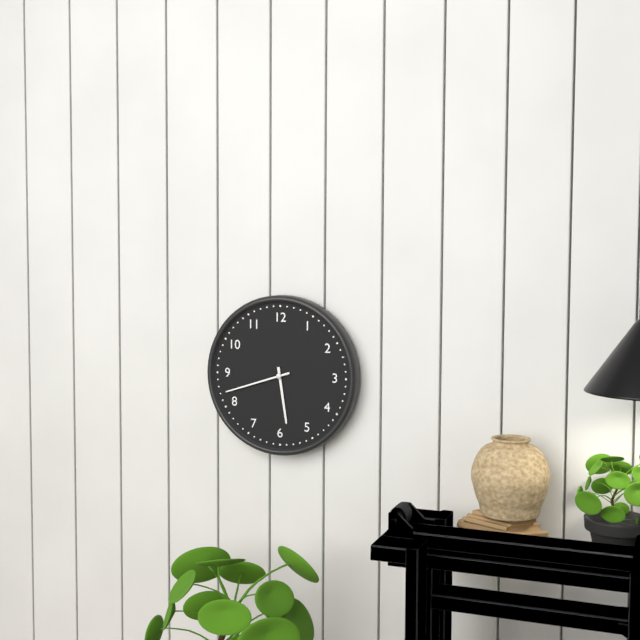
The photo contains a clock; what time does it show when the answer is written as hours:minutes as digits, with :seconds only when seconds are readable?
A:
5:42
